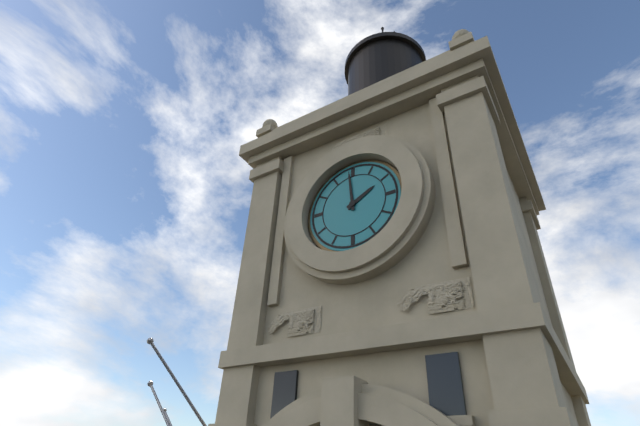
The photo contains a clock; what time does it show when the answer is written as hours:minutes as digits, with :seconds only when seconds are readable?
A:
1:59
